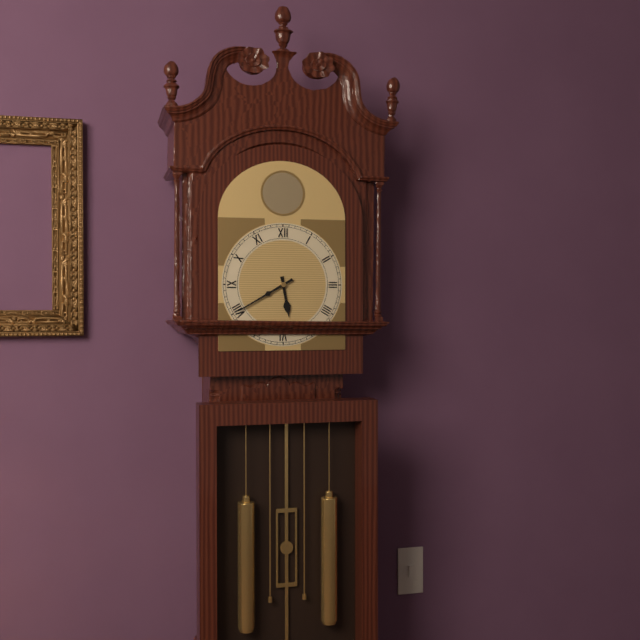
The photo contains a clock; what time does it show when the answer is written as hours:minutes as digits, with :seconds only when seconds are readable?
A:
5:40
